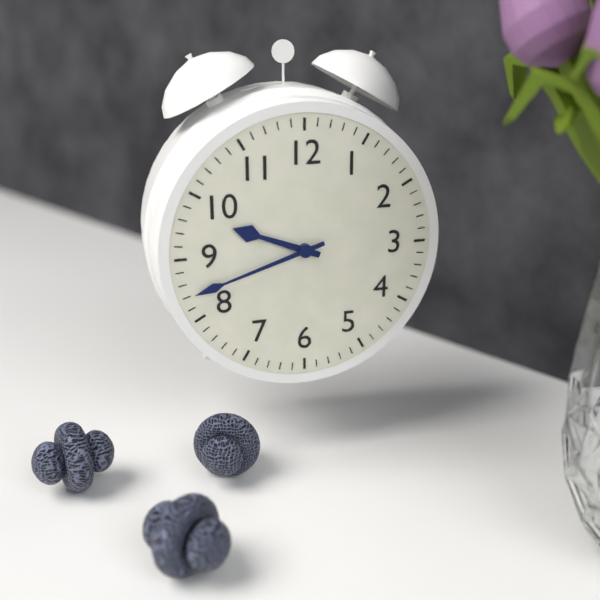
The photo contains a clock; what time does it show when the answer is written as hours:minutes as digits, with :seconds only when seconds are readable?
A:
9:42
